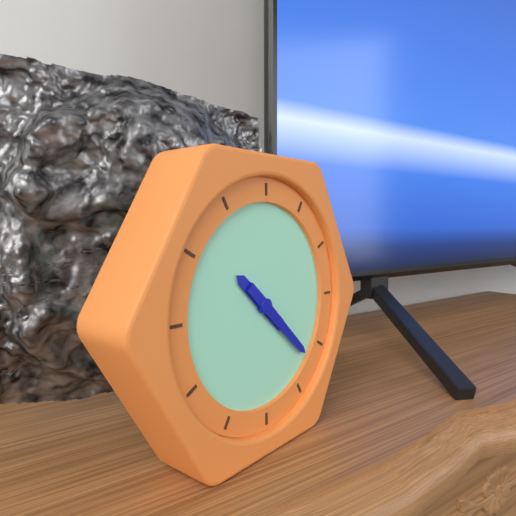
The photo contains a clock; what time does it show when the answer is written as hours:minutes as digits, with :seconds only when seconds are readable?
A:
10:22
